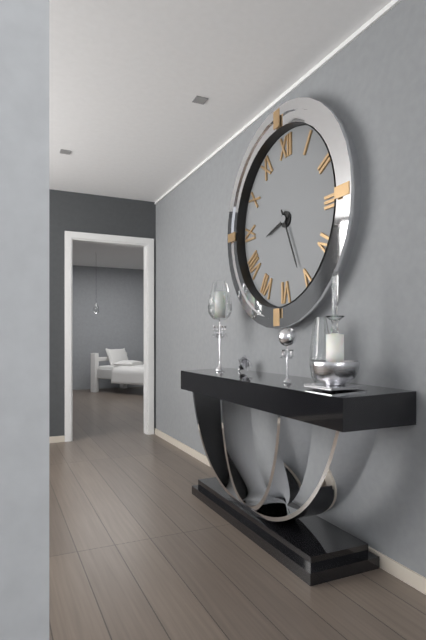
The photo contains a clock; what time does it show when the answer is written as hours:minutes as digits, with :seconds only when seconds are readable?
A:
8:26
